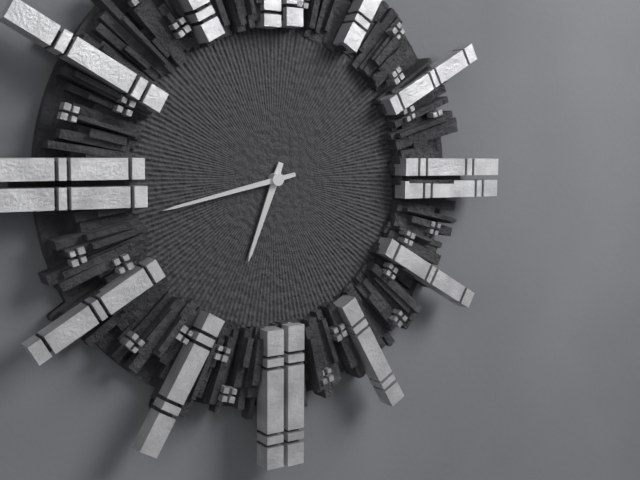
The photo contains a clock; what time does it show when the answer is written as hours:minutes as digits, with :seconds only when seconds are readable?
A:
6:43
